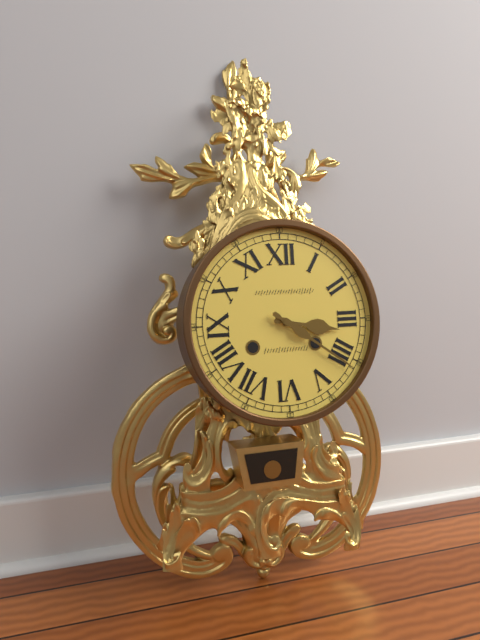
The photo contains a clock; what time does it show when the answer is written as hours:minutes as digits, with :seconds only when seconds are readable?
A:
3:21
